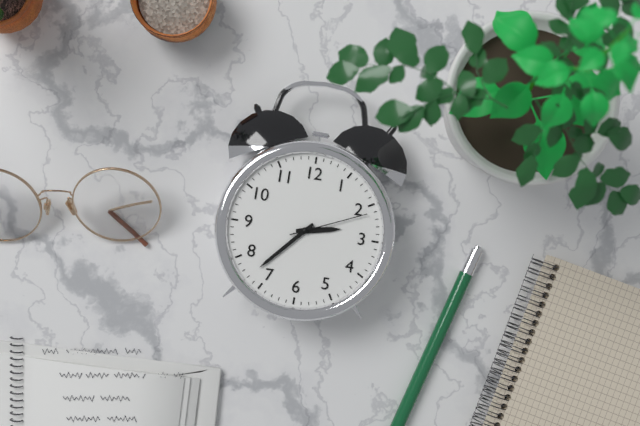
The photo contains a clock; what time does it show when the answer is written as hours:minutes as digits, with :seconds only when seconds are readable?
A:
2:37:11
